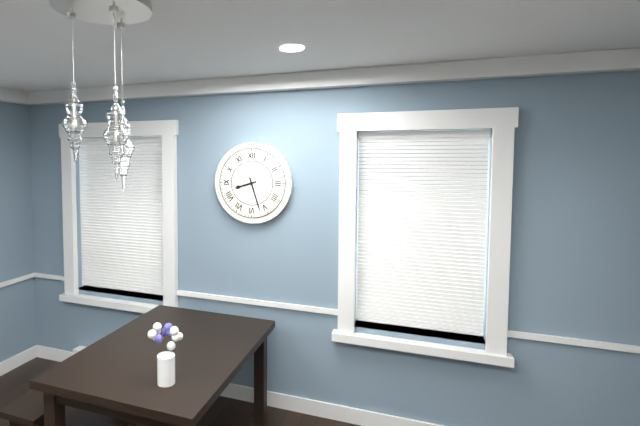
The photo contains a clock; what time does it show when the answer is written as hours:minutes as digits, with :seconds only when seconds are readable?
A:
8:27
